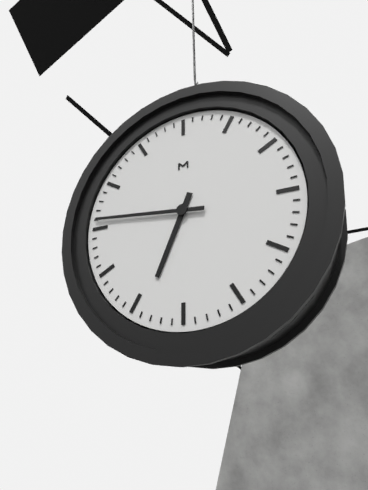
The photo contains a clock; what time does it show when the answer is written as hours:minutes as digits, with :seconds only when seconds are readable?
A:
6:46
